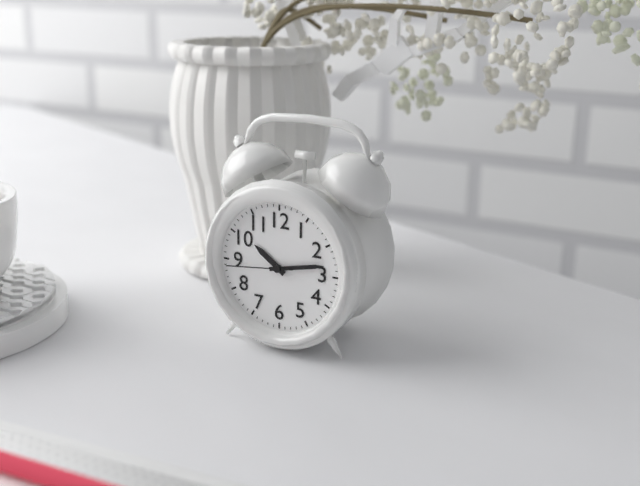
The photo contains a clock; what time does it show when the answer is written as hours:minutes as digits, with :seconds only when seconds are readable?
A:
10:13:44
